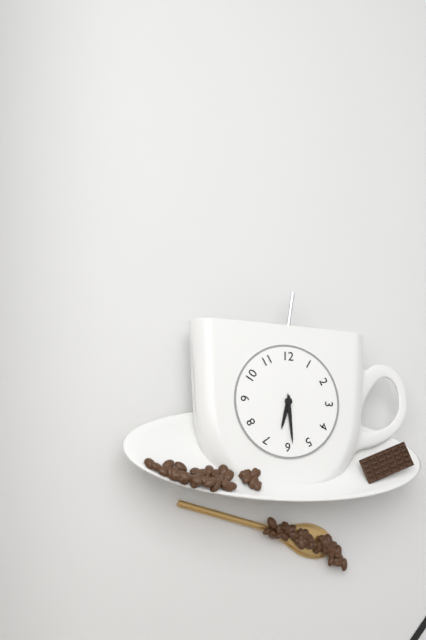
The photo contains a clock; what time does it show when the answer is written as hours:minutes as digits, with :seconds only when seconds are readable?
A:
6:29
